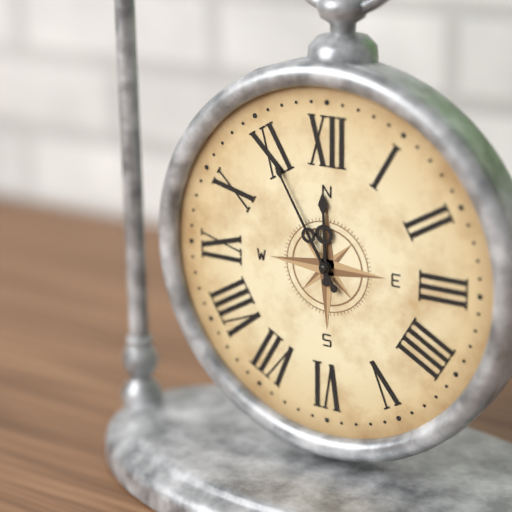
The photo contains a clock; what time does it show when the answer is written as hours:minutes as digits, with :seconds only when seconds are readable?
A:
11:55
